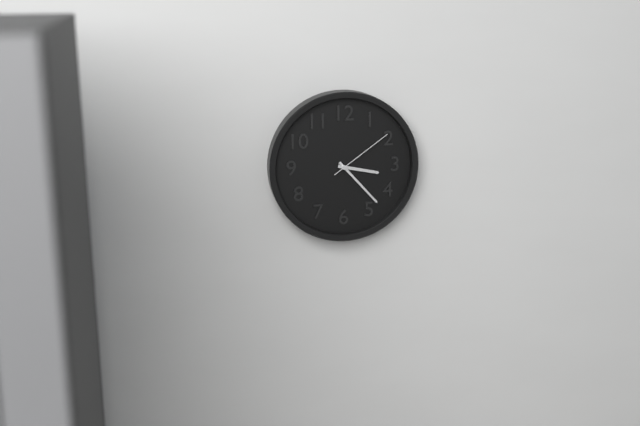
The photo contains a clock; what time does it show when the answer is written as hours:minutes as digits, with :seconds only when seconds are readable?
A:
3:23:09
